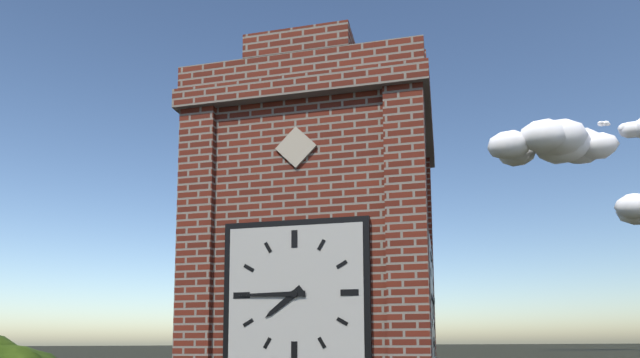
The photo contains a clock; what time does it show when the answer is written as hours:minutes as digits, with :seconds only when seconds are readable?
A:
7:45
